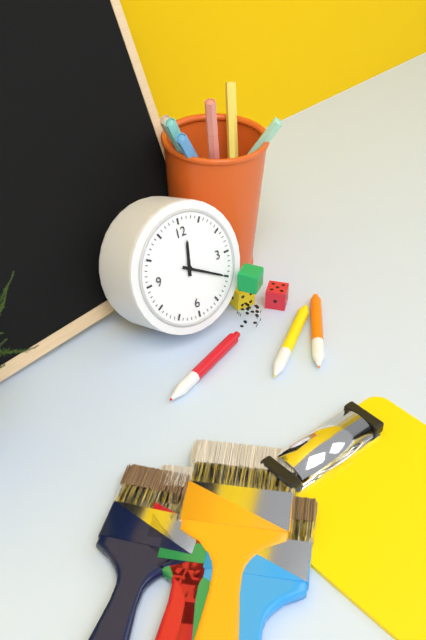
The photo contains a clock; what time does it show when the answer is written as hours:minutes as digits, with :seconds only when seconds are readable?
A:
12:20
